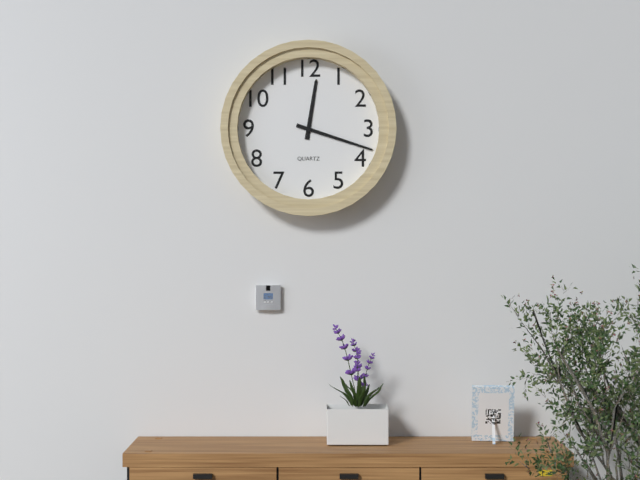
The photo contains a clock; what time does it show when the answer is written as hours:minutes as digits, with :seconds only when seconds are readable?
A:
12:18
